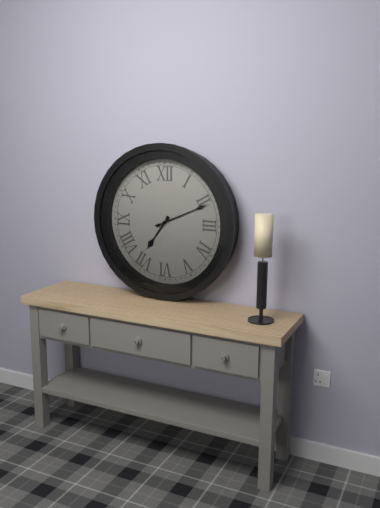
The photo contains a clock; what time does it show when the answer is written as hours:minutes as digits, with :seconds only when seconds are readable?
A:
7:11
